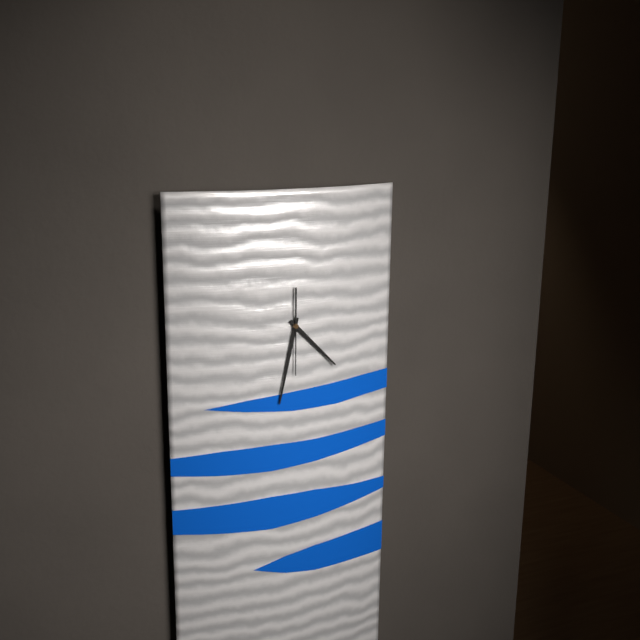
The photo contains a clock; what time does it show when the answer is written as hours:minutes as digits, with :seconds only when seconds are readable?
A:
4:32:30
